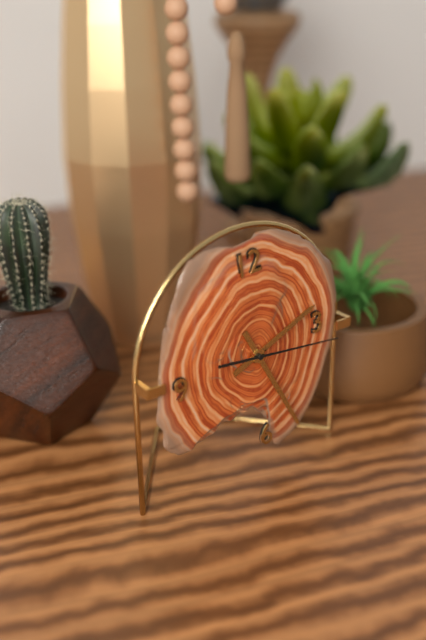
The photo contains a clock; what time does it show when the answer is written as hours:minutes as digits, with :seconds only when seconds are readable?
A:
2:26:17
